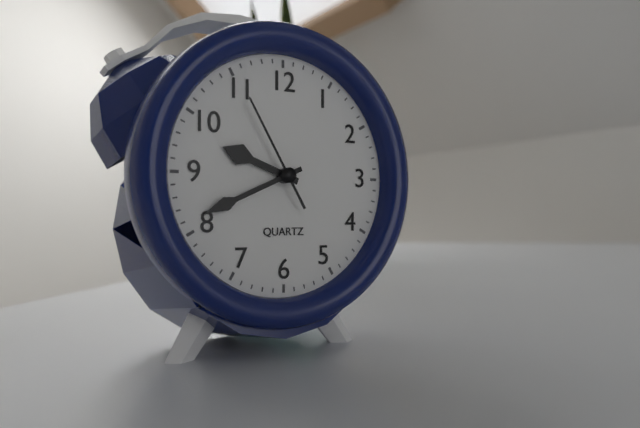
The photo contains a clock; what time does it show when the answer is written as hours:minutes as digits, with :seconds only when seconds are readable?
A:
9:41:55
